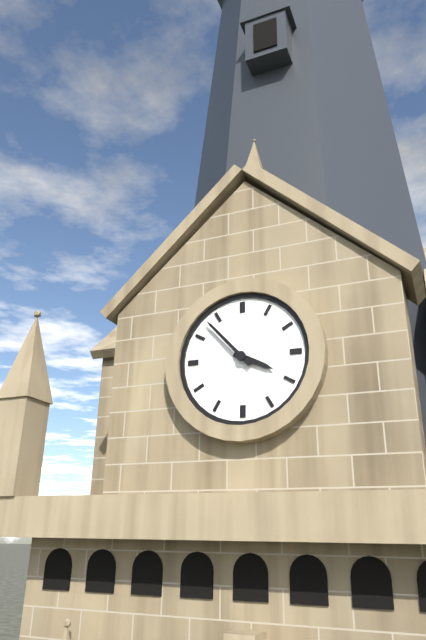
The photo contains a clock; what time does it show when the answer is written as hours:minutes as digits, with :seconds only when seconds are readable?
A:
3:53
